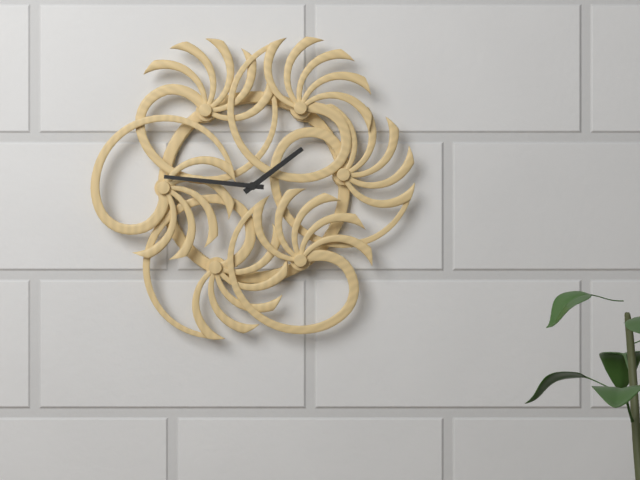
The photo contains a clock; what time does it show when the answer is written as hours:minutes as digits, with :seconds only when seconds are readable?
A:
1:46
